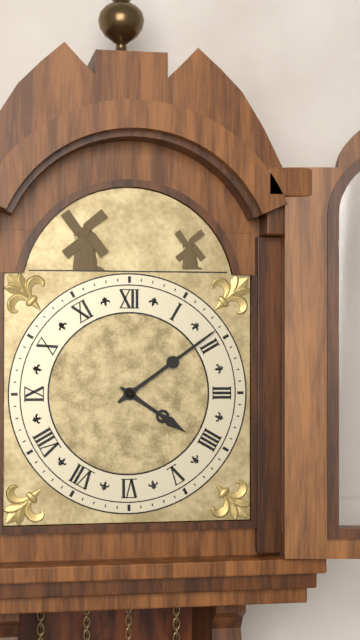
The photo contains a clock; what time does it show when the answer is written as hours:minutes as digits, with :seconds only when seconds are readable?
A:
4:09
